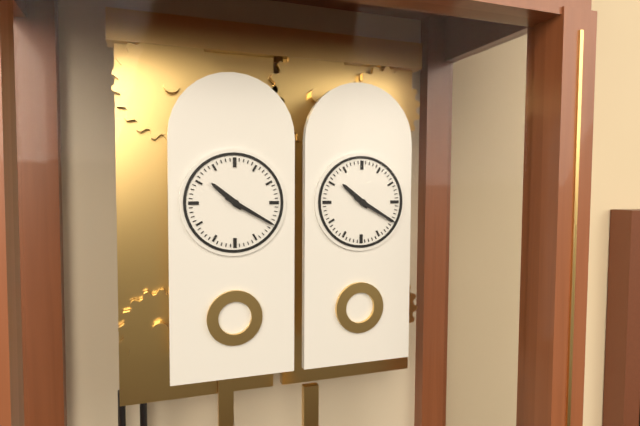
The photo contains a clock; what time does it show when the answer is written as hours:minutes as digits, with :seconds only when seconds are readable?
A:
10:20
